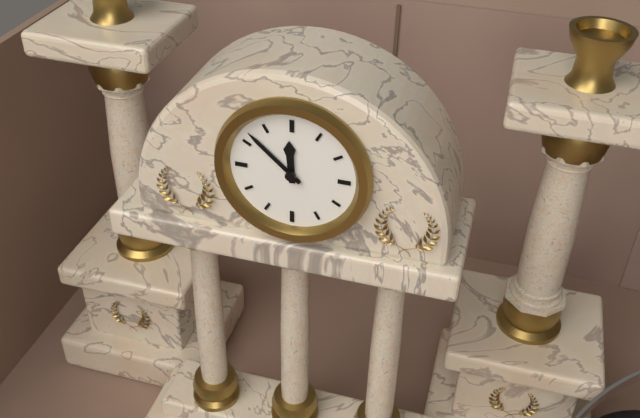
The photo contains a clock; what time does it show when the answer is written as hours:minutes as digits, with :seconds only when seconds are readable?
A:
11:52
